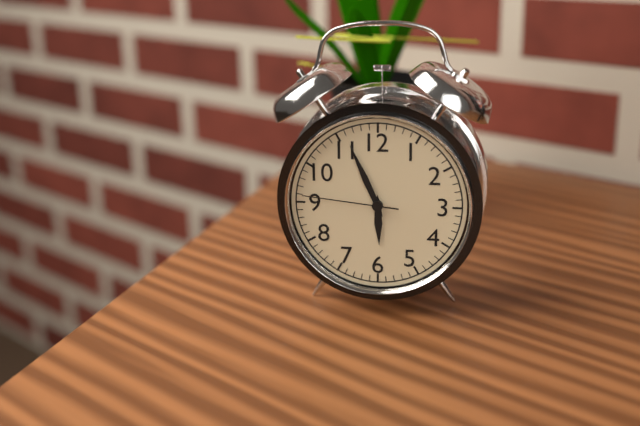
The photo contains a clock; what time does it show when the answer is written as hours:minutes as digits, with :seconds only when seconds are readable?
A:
5:56:46
